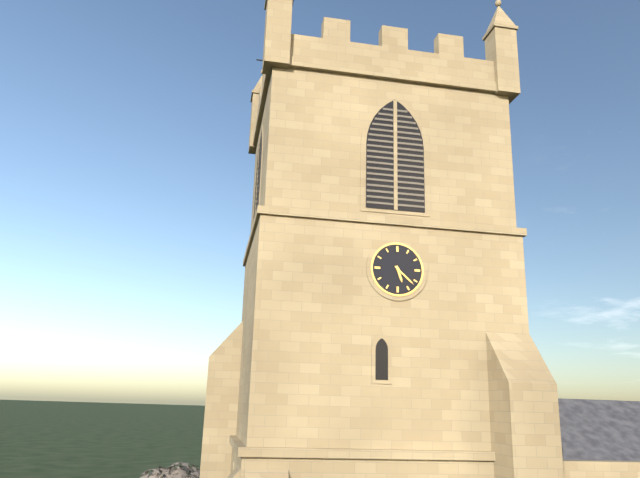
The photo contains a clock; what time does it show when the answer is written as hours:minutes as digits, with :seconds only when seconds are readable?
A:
5:22
